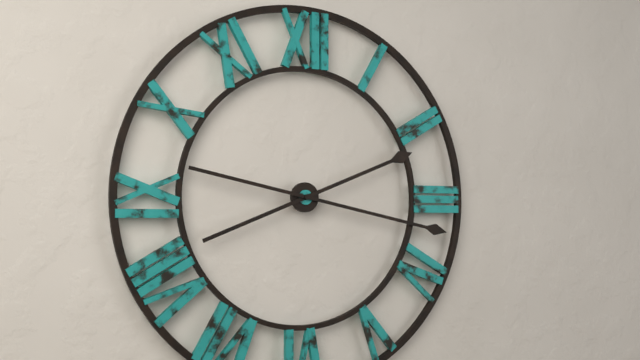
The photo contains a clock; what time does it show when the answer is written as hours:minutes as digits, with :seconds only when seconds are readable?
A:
2:17
